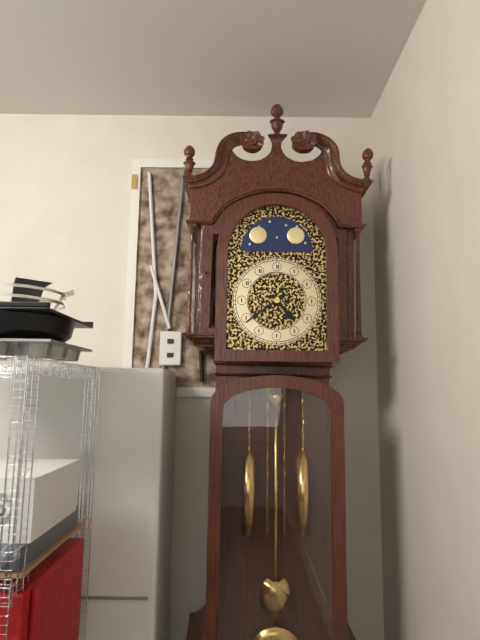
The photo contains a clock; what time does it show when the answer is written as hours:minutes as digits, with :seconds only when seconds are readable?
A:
4:39
